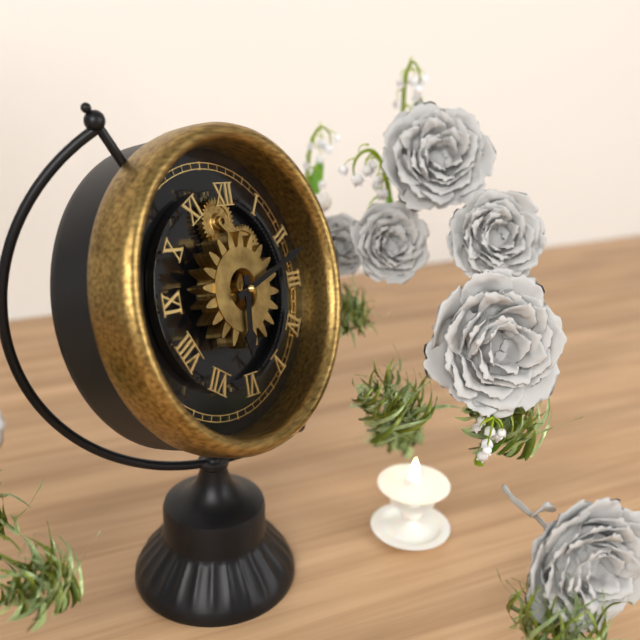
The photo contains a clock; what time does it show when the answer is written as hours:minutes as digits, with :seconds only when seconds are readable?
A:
6:12
